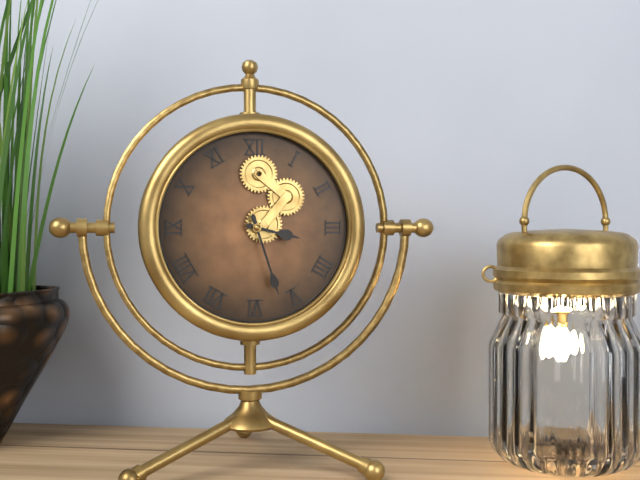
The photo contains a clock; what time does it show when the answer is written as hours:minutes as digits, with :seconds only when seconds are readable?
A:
3:27
